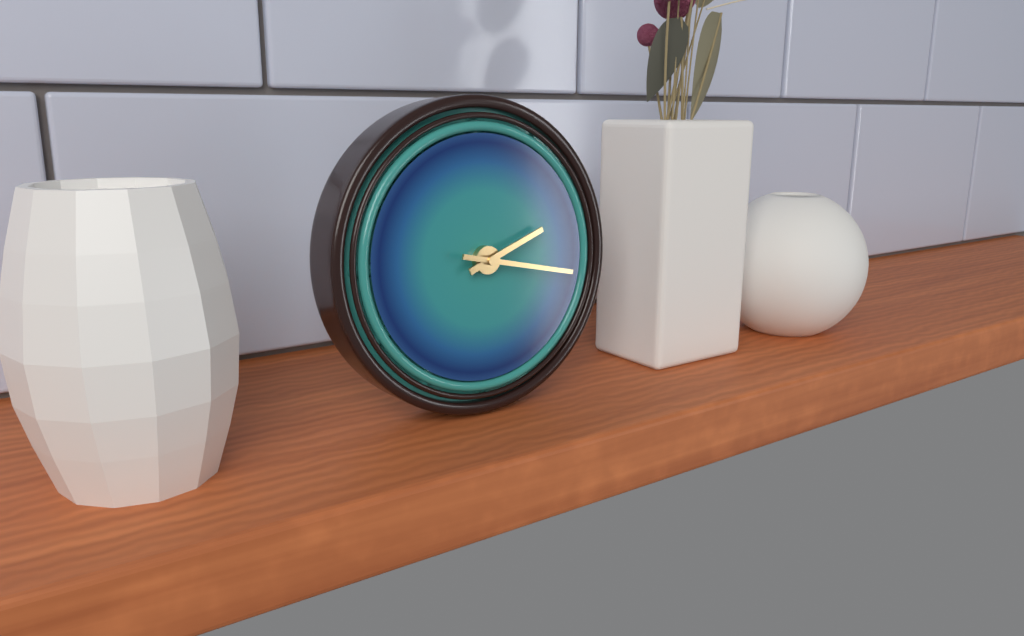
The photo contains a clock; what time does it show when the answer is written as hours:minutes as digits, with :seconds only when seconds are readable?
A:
2:17
